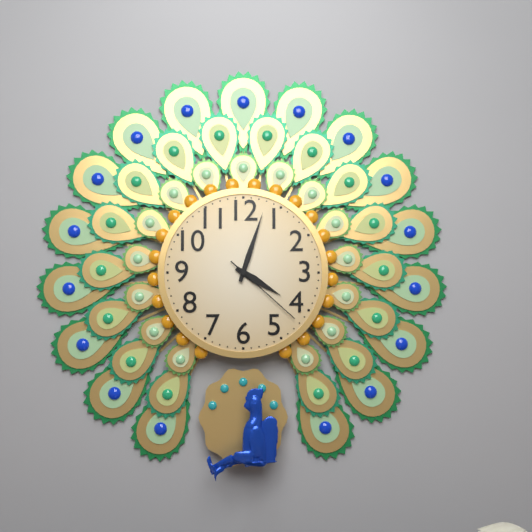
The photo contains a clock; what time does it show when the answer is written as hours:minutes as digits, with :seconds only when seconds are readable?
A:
4:03:22
